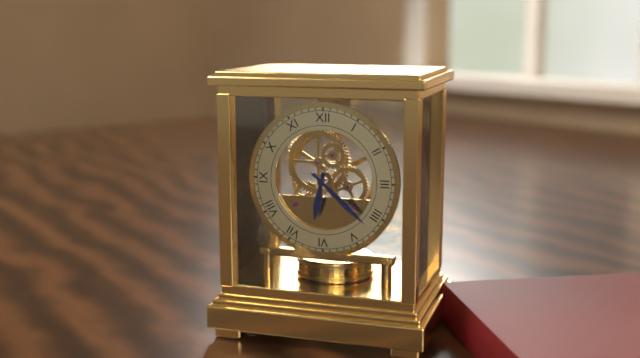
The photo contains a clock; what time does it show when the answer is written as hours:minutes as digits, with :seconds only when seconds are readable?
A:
6:22
